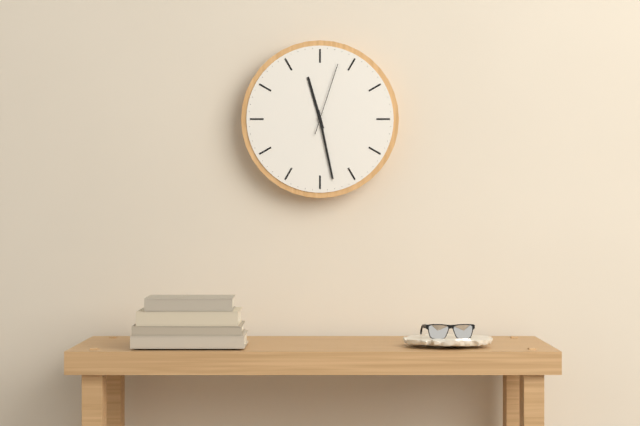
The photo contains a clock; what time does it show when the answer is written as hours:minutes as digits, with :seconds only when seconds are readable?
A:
11:28:03
